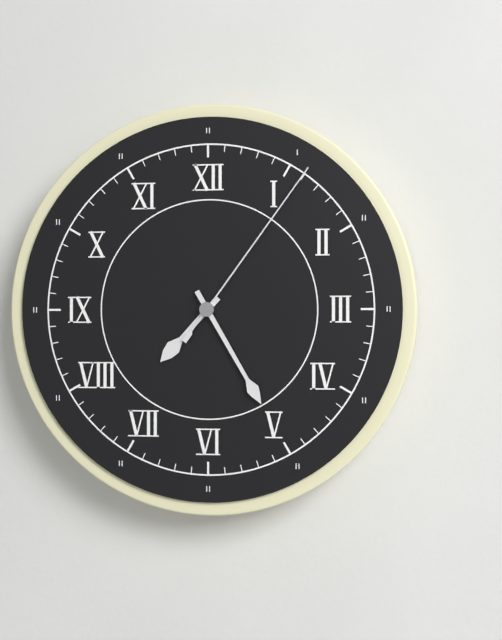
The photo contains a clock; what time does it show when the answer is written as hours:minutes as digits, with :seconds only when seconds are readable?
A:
7:25:06
